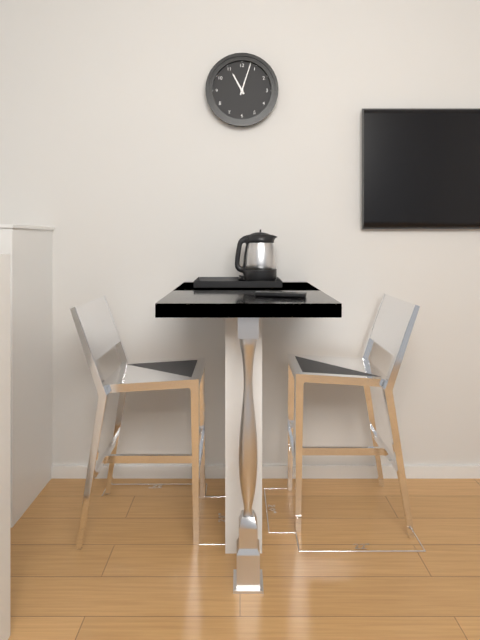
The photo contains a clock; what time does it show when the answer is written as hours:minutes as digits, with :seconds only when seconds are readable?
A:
11:03
